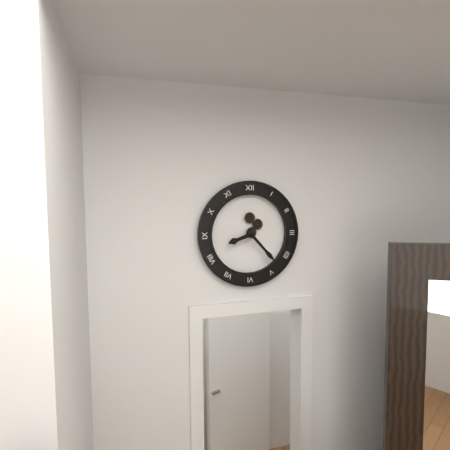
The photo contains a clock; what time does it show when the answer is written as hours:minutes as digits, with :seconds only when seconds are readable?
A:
8:23
